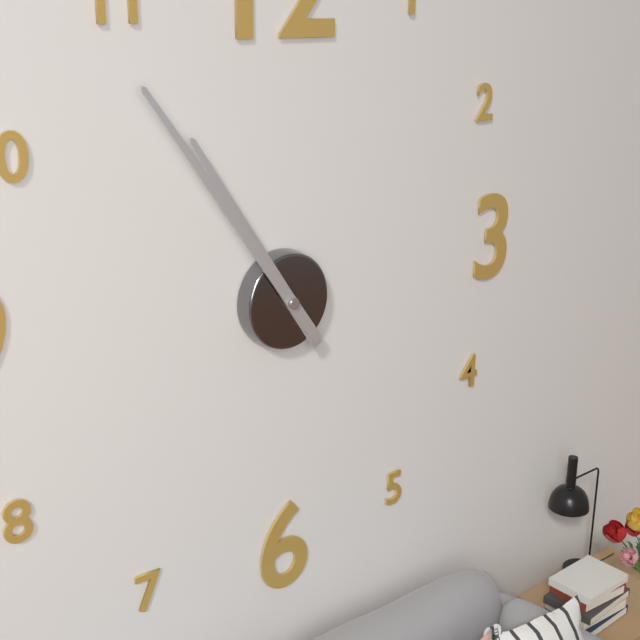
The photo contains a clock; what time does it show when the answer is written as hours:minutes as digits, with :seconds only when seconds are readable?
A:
10:54
